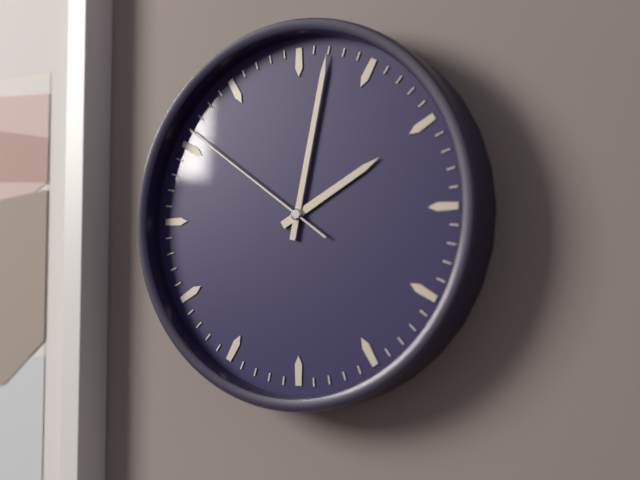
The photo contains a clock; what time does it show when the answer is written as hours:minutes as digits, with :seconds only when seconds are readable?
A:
2:02:51
